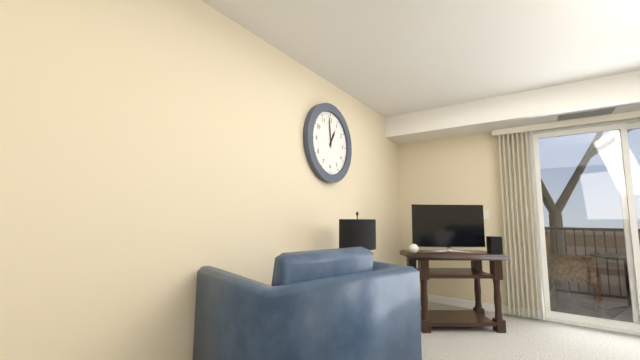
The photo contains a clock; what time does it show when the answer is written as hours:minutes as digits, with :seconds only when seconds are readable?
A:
12:59
